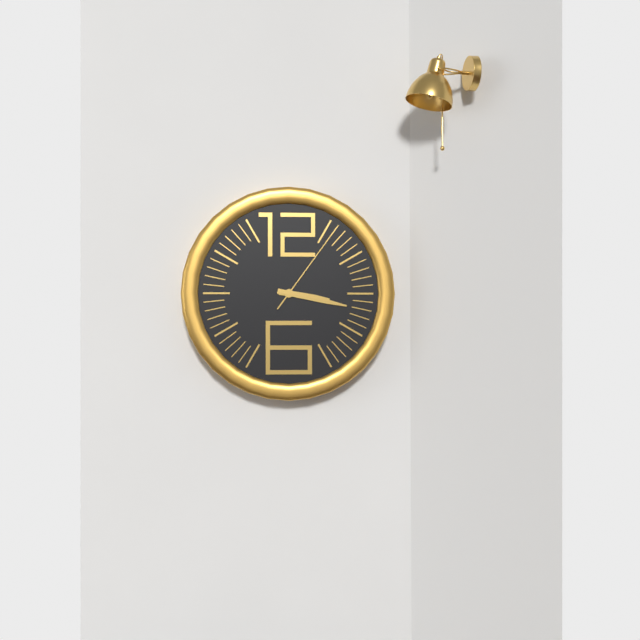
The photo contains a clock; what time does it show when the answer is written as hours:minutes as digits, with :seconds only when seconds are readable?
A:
3:17:06
